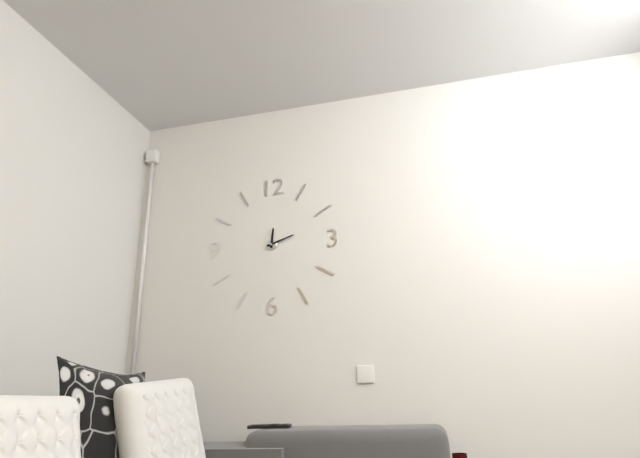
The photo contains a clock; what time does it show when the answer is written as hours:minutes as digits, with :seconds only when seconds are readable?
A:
12:12
